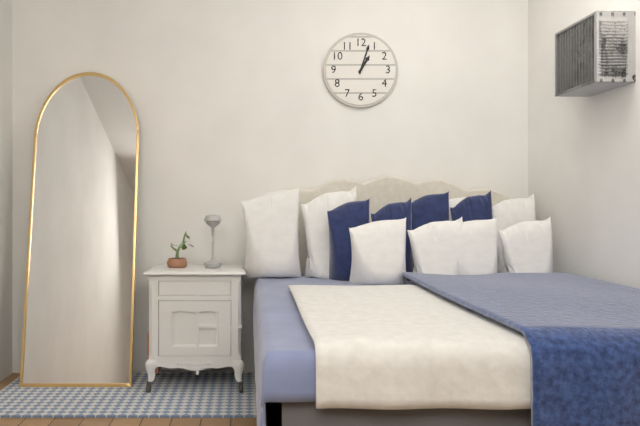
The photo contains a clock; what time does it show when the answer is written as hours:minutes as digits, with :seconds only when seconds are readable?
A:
1:03
